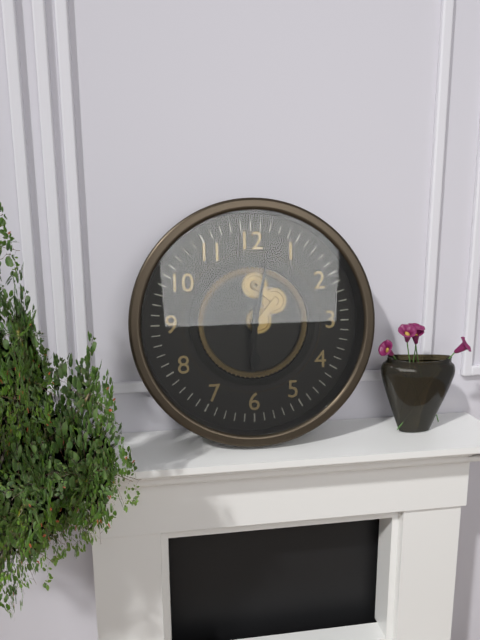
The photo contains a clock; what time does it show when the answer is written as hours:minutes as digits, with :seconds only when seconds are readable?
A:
6:02
